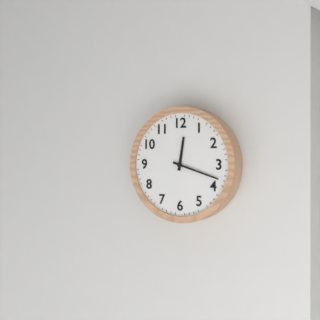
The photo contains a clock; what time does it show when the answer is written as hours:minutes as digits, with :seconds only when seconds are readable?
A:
12:18
